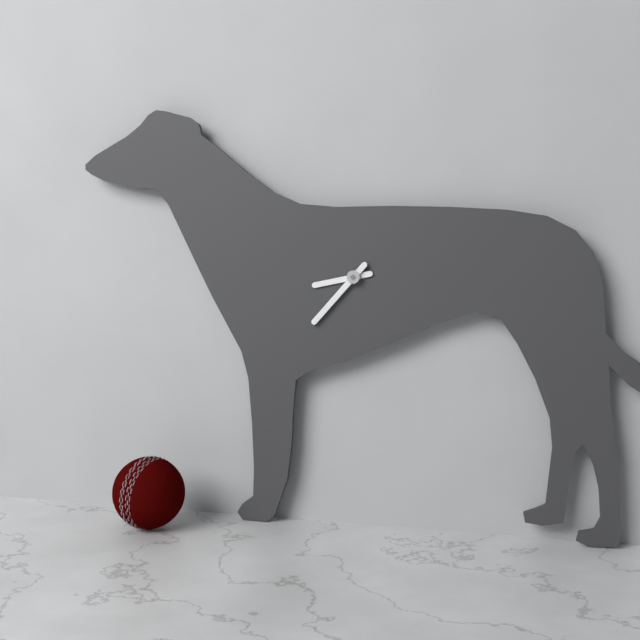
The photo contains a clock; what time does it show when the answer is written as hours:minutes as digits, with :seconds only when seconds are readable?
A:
8:37
